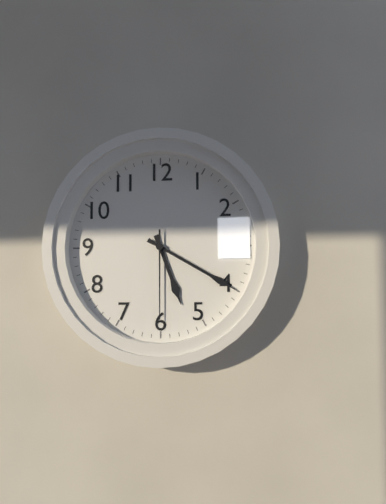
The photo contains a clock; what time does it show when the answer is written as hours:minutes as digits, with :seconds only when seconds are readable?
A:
5:20:30
